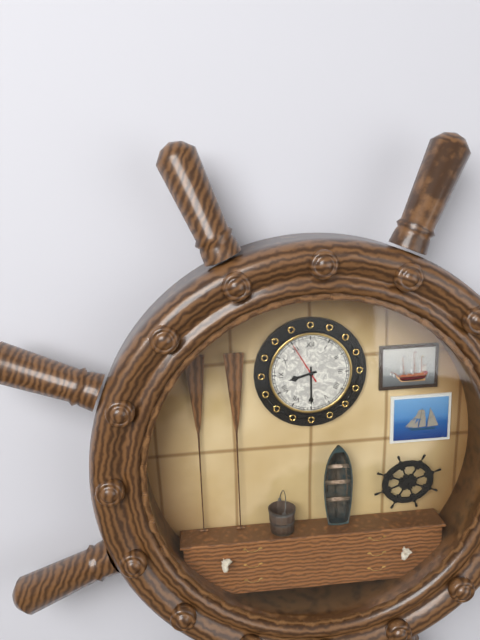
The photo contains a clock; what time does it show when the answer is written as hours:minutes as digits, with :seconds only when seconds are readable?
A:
8:30
